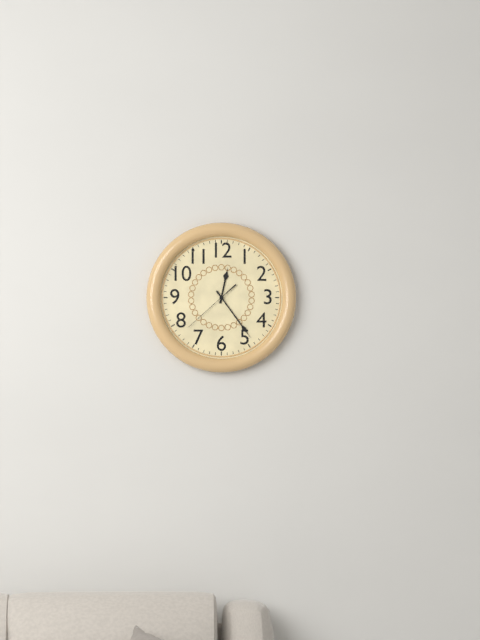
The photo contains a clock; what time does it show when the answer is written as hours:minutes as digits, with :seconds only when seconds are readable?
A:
12:24:38
